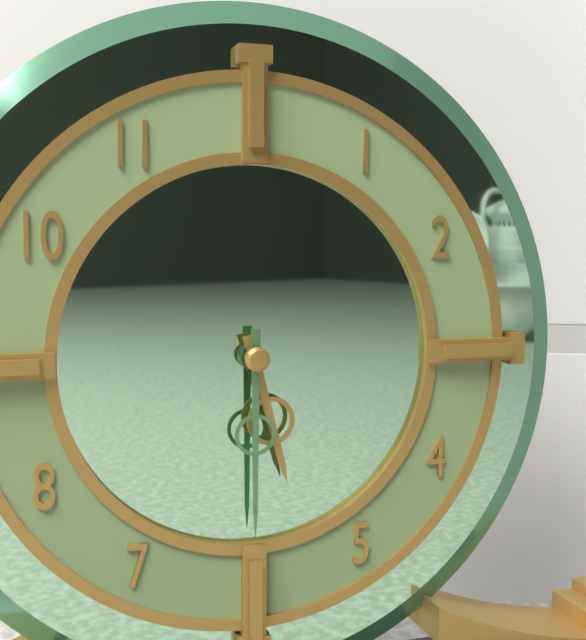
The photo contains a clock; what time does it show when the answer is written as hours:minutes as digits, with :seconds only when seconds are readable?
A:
5:30
